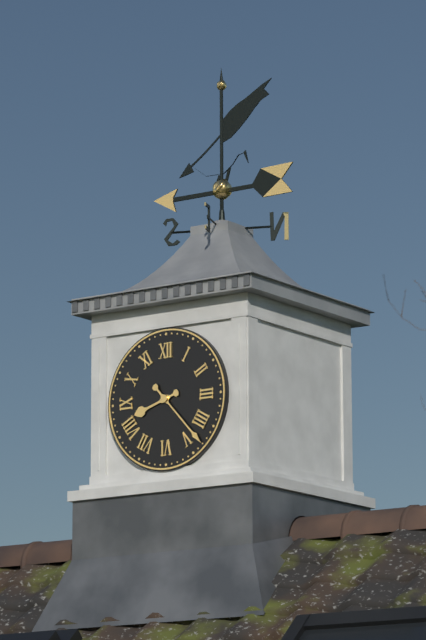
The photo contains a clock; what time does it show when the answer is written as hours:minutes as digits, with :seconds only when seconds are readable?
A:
8:23
